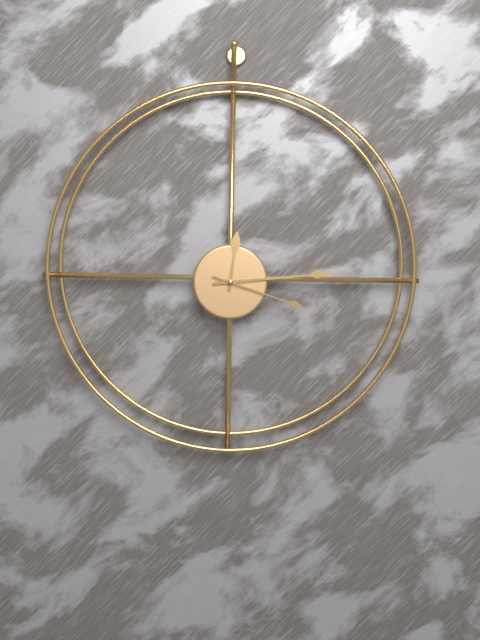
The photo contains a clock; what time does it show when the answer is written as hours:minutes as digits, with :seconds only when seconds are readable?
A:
12:14:18
